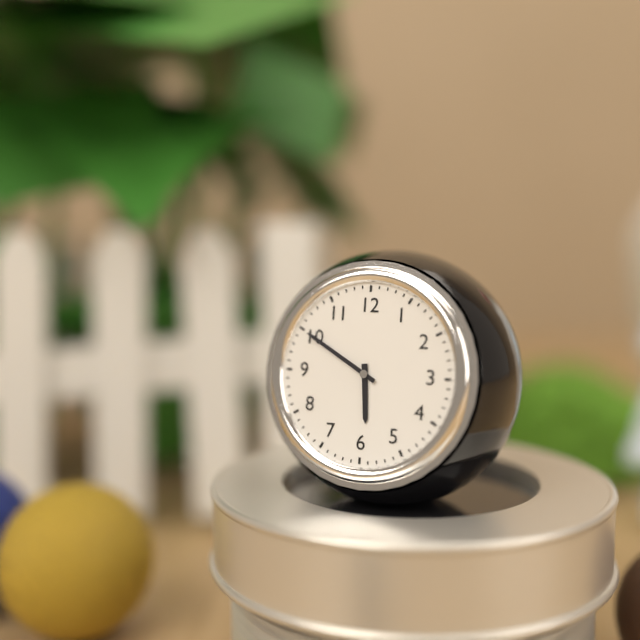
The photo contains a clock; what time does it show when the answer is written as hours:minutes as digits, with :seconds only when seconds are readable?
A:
5:50
